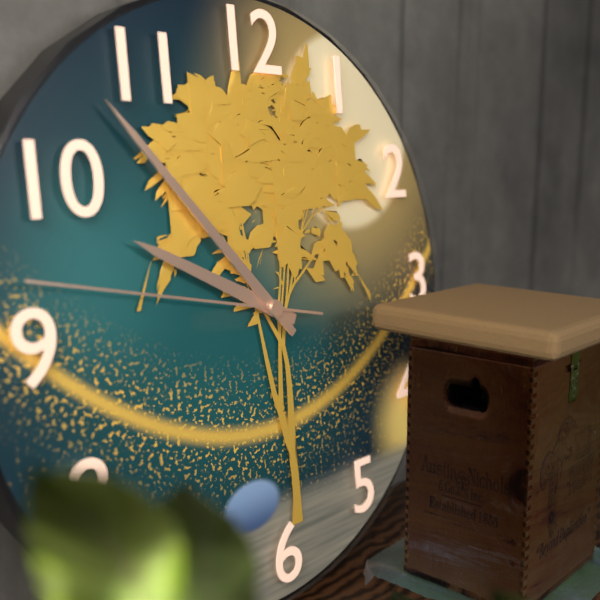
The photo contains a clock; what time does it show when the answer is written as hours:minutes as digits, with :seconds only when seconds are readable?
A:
9:53:47
